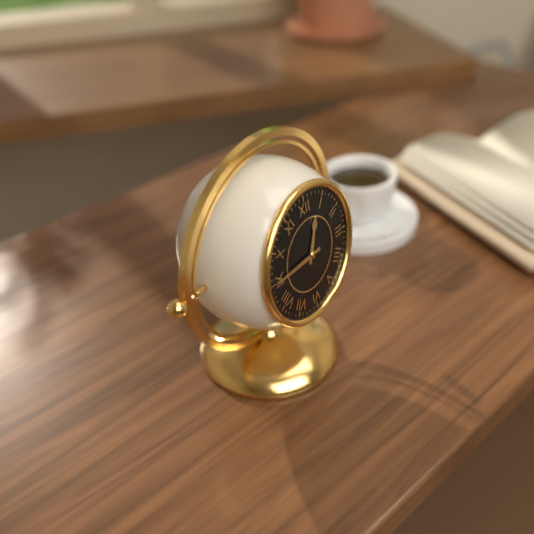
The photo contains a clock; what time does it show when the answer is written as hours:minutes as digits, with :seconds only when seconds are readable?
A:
12:45
